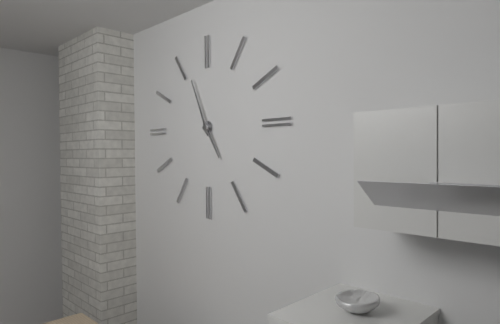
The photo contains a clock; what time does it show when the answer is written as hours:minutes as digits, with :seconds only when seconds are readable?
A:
4:56
